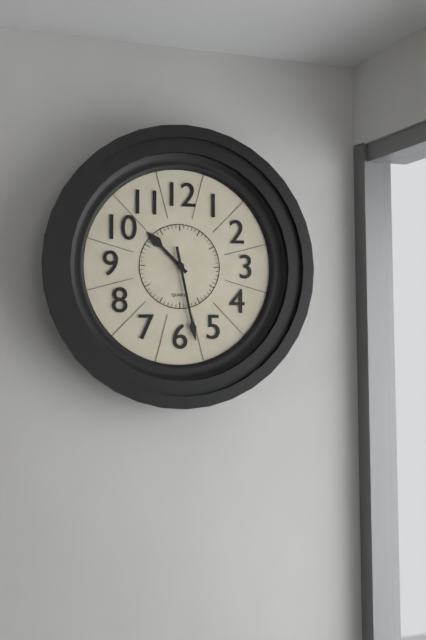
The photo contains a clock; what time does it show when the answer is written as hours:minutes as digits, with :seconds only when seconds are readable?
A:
10:28
